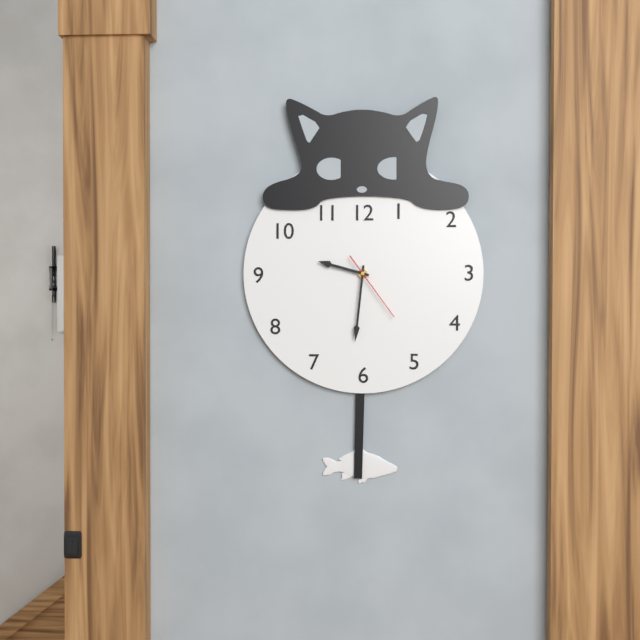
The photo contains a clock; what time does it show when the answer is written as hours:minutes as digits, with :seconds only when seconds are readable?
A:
9:31:24
